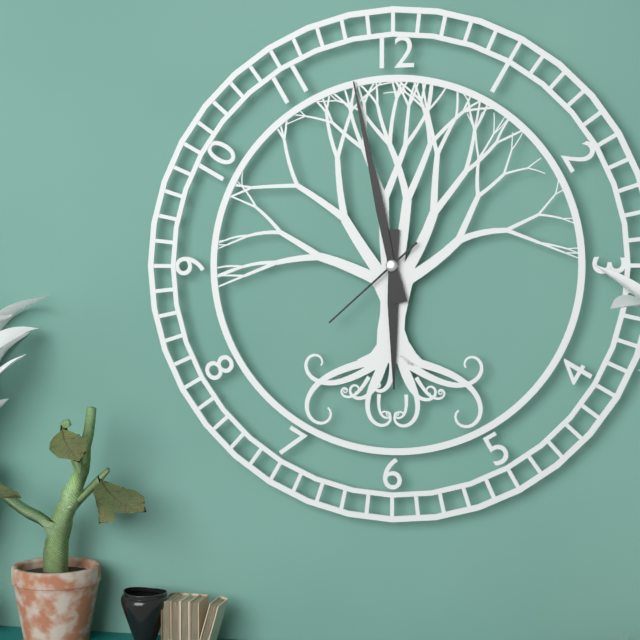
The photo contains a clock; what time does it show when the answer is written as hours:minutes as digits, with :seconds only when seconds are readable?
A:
5:58:38
